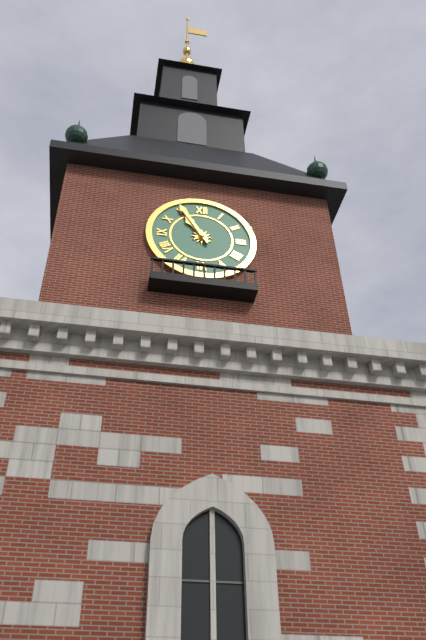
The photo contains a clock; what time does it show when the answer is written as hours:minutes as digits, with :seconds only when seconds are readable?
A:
10:55
